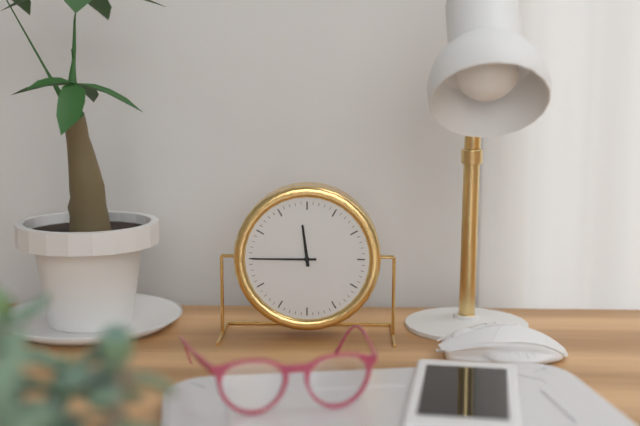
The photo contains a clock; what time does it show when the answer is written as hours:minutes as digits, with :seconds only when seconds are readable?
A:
11:45
